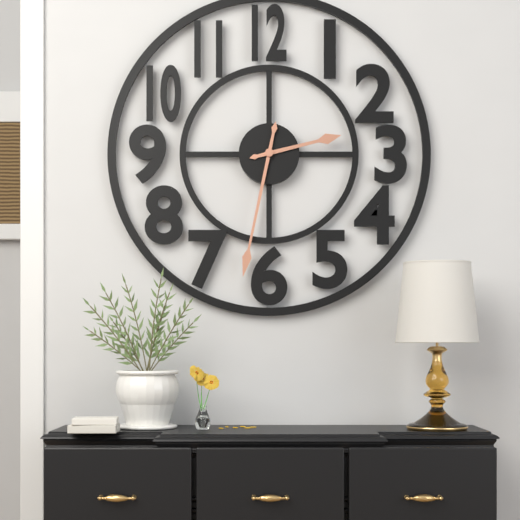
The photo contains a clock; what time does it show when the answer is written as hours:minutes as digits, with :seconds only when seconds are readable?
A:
2:32
